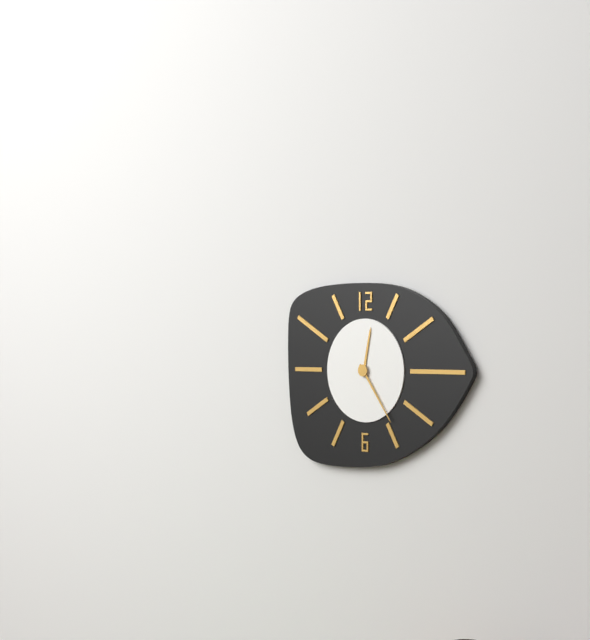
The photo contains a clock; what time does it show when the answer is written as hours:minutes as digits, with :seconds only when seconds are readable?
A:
12:24
